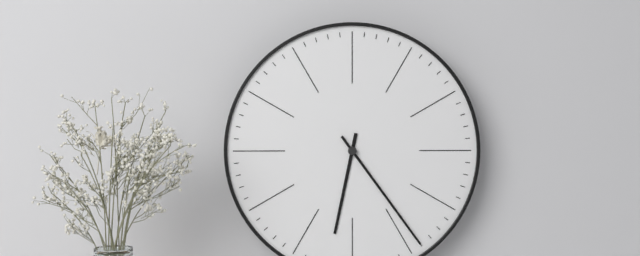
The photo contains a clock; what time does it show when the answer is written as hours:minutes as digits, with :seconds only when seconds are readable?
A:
6:24
